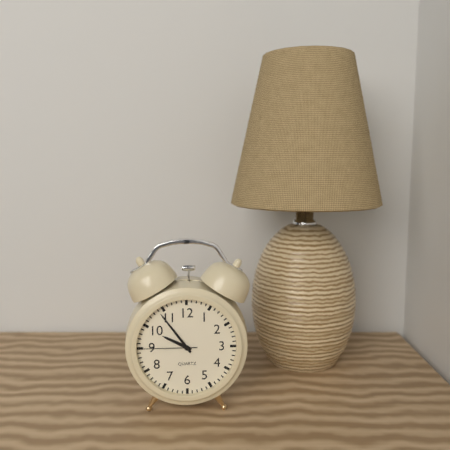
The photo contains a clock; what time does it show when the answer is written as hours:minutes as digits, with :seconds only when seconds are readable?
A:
9:54:45
